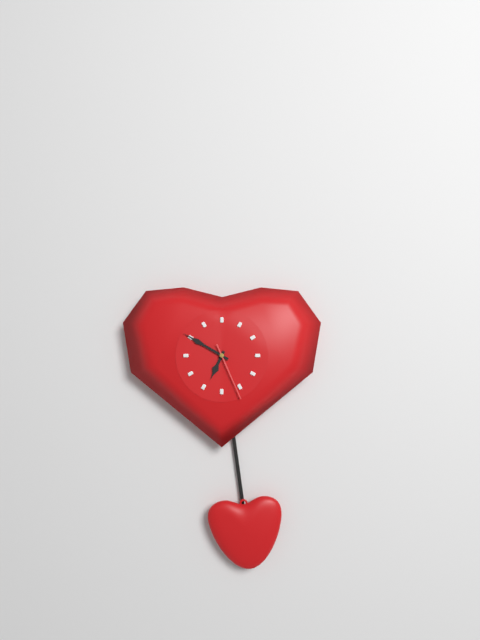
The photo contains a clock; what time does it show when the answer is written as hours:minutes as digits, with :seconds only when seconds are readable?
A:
6:50:26
